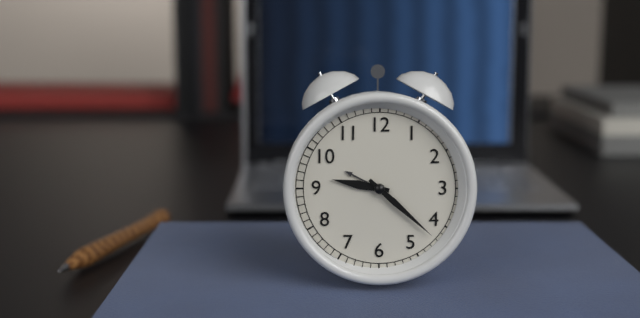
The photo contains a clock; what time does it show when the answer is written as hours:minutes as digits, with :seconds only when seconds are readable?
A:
9:22
